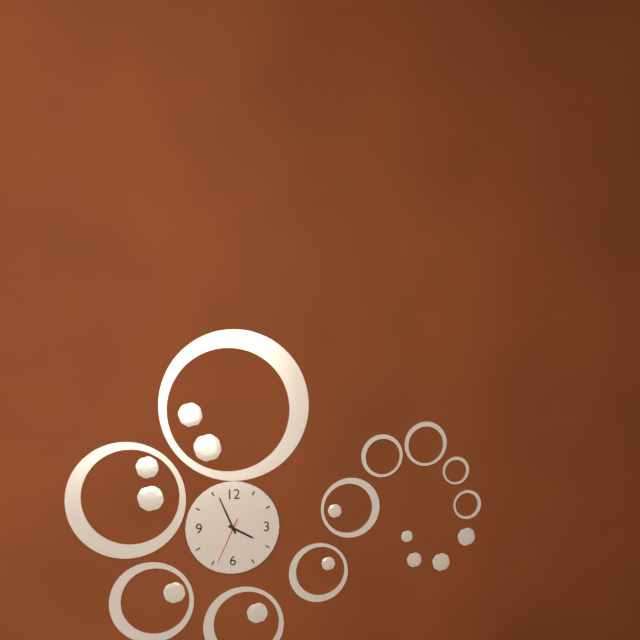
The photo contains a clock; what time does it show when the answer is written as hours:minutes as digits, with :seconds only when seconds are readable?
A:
3:56
